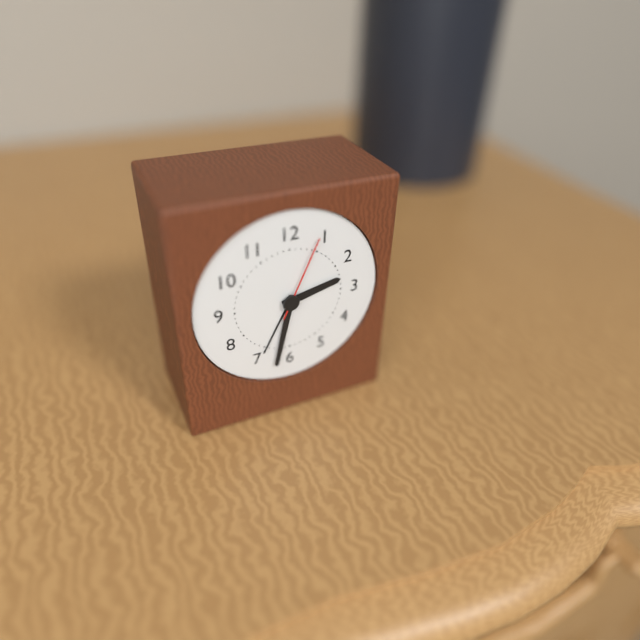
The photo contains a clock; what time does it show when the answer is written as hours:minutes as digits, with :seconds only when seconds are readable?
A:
2:32:04
